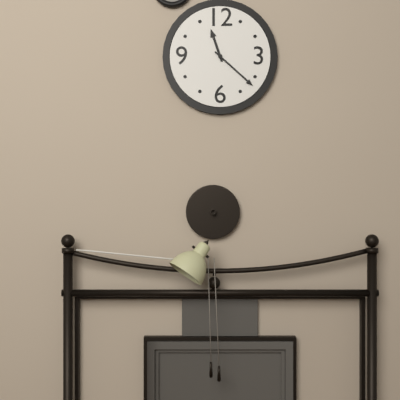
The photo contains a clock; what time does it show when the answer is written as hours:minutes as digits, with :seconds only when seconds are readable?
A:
11:22
